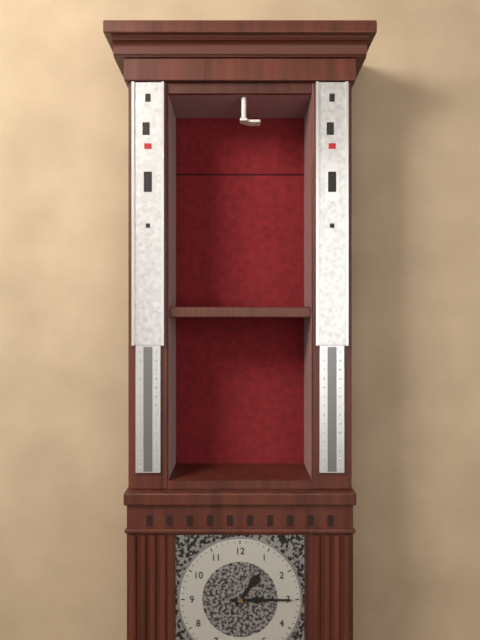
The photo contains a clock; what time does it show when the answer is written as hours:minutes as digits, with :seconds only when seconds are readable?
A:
1:15
